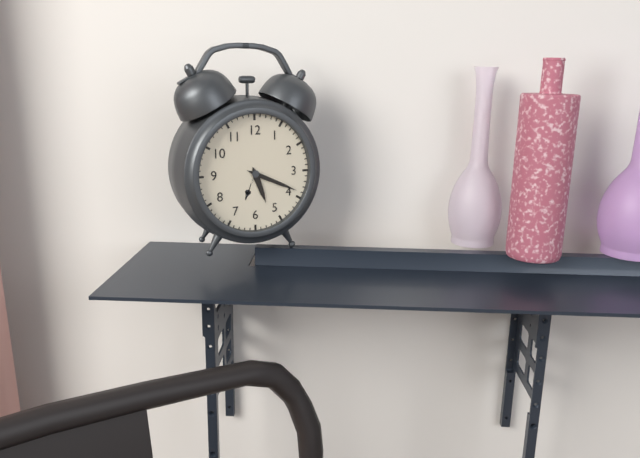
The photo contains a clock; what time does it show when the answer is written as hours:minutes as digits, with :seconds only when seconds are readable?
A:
5:19
